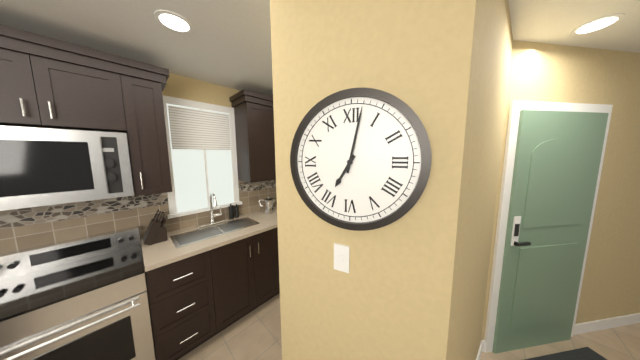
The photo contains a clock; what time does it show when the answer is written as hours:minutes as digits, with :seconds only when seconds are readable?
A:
7:02
